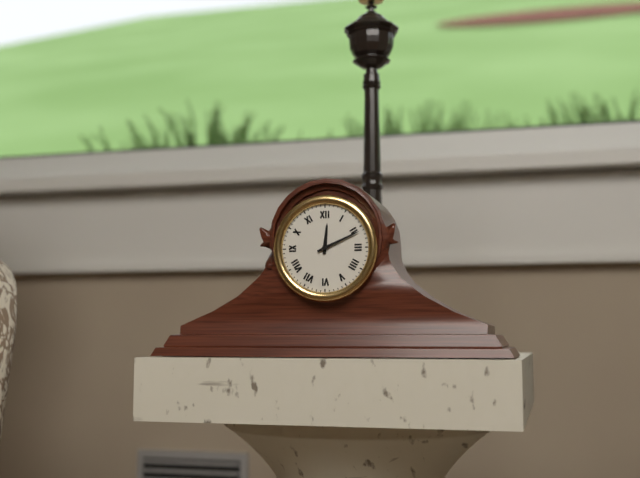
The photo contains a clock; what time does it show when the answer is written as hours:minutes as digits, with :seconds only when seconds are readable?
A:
12:11
